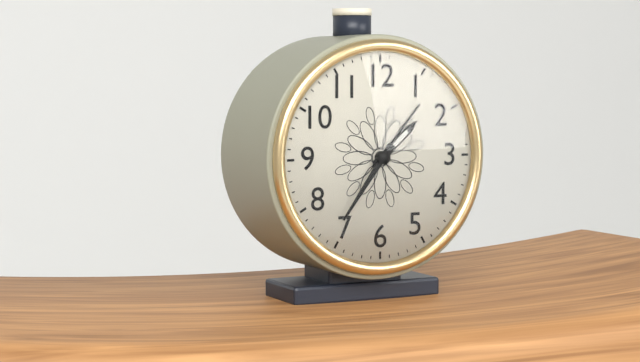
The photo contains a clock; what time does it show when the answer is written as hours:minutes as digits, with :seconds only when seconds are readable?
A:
1:36
